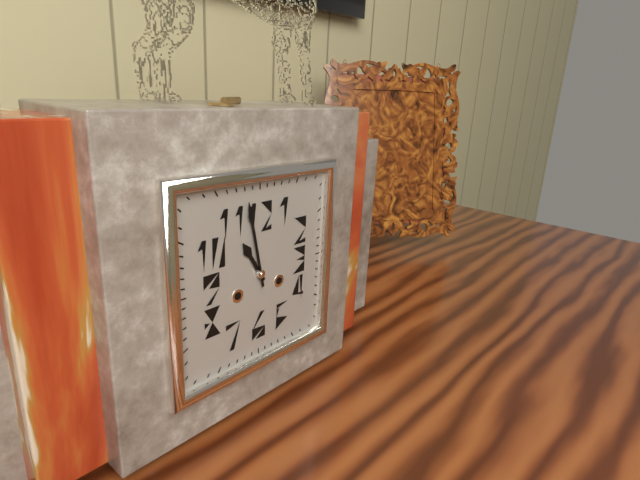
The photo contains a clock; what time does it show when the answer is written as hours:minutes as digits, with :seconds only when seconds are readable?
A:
10:58
